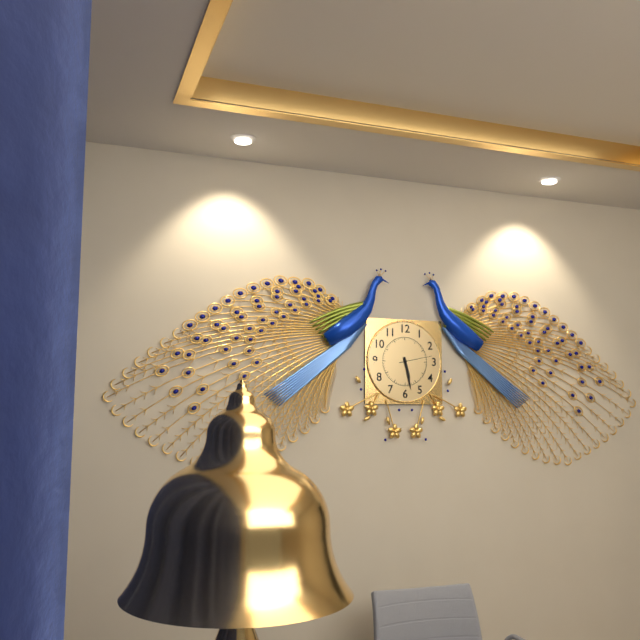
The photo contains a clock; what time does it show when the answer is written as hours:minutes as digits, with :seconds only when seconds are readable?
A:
5:28
